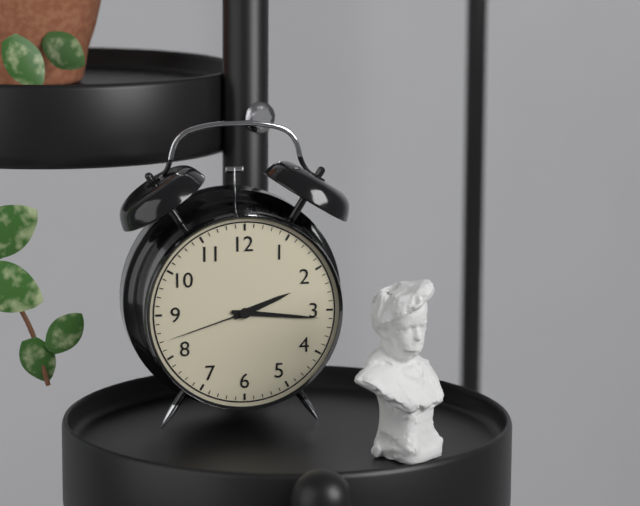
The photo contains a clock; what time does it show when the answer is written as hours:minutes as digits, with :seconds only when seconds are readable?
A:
2:16:42
